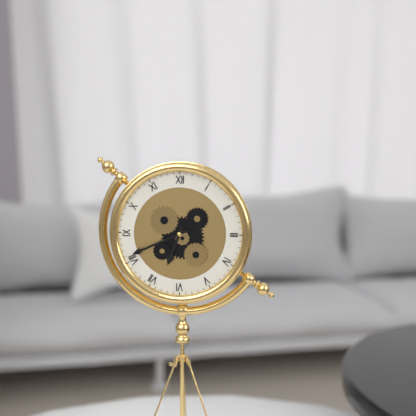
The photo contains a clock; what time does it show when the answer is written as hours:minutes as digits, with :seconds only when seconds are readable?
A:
6:41
